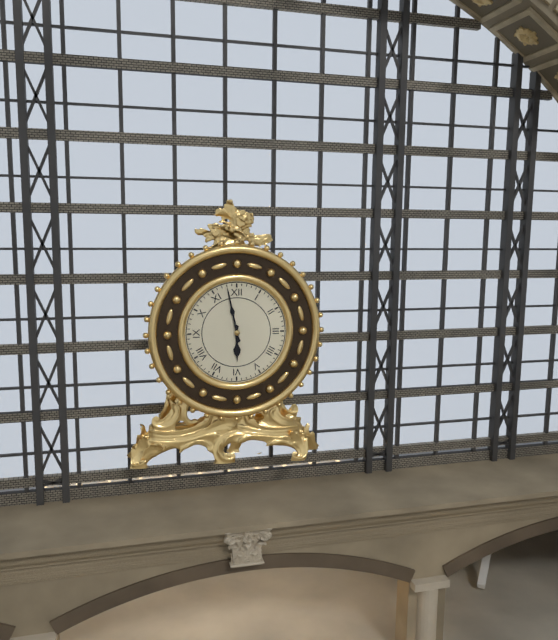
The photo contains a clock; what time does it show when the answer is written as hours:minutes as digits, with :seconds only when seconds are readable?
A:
5:58
